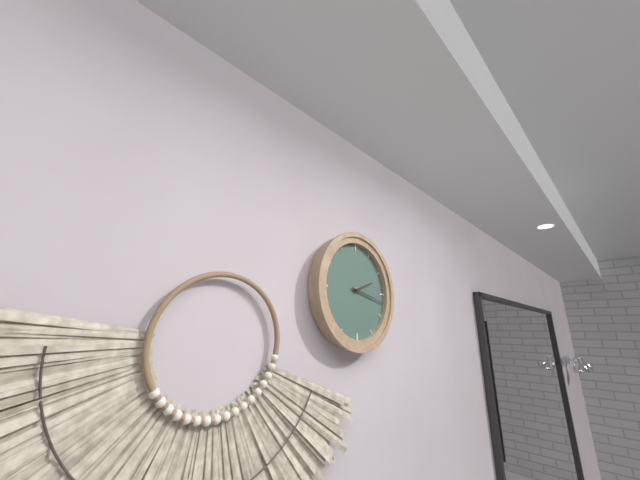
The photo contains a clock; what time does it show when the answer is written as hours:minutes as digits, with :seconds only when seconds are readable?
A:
2:17
